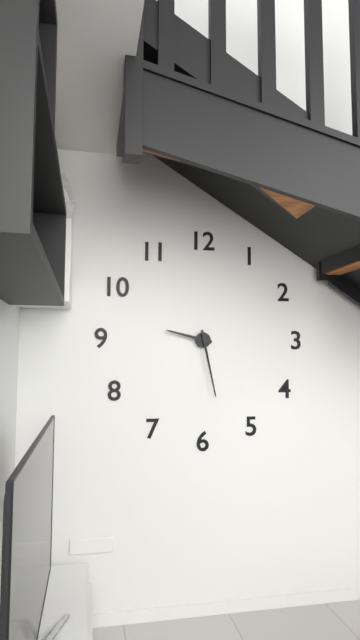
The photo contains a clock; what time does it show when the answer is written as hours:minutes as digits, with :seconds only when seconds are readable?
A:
9:28
